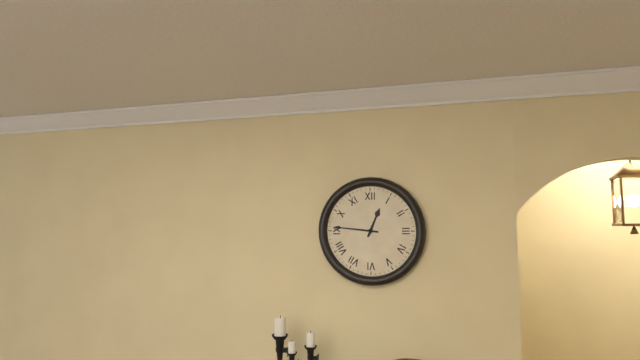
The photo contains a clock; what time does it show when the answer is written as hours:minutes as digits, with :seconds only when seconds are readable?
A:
12:46
